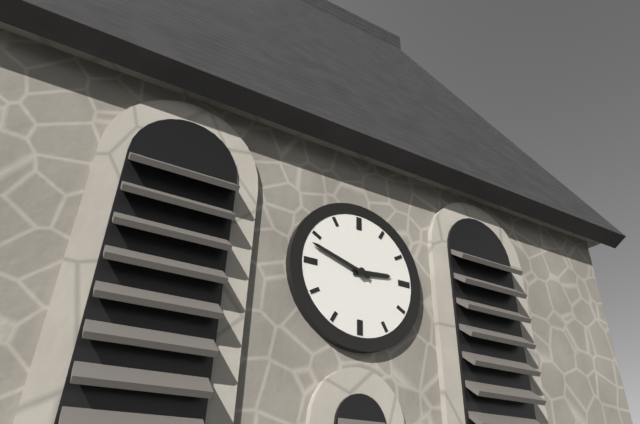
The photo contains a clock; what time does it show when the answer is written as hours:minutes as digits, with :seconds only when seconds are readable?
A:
2:48
